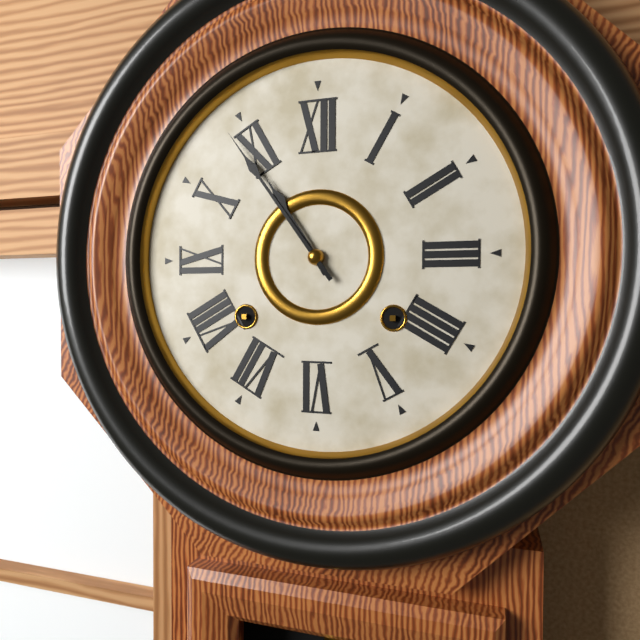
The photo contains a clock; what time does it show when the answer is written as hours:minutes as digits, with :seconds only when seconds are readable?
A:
10:54
